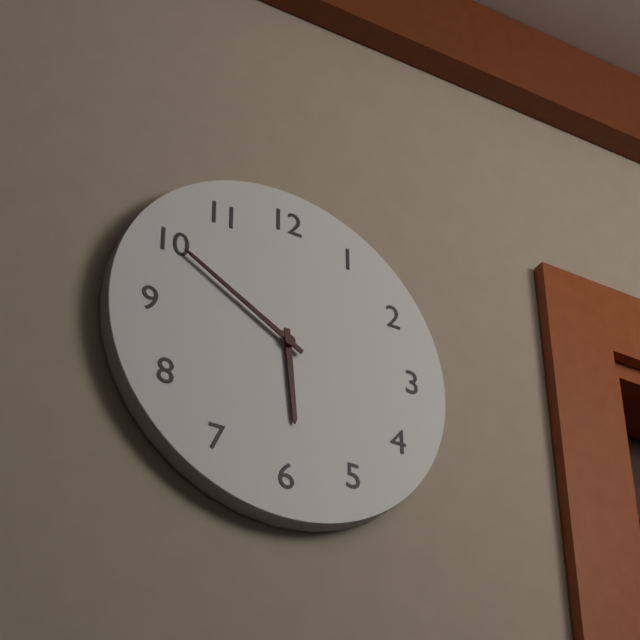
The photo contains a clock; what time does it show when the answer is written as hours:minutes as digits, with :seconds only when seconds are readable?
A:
5:50
